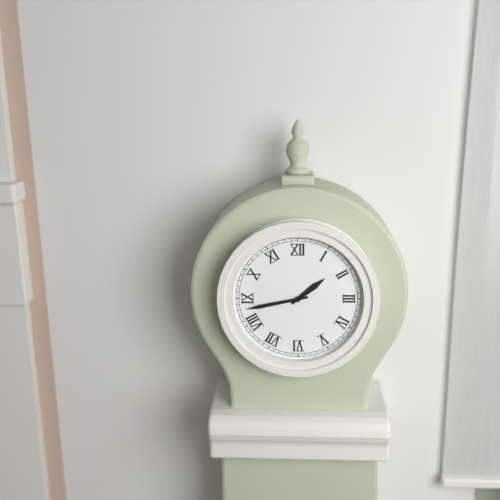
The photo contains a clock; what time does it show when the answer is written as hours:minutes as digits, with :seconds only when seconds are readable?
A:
1:43
